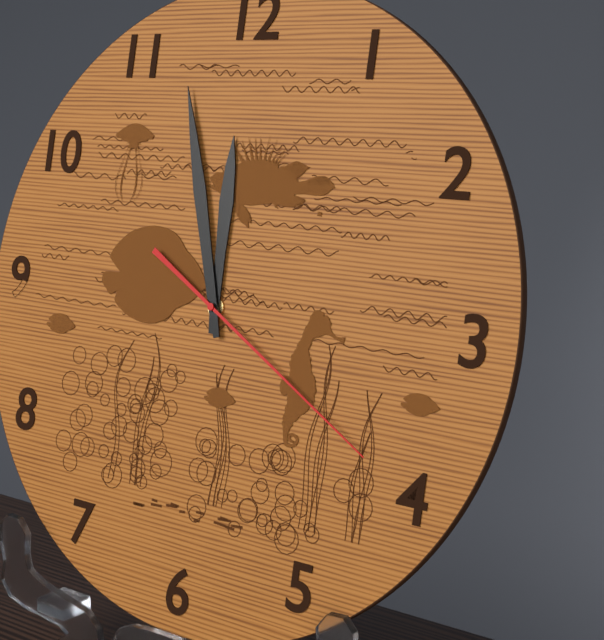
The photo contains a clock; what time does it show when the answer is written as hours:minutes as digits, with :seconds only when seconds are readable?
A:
11:57:20
